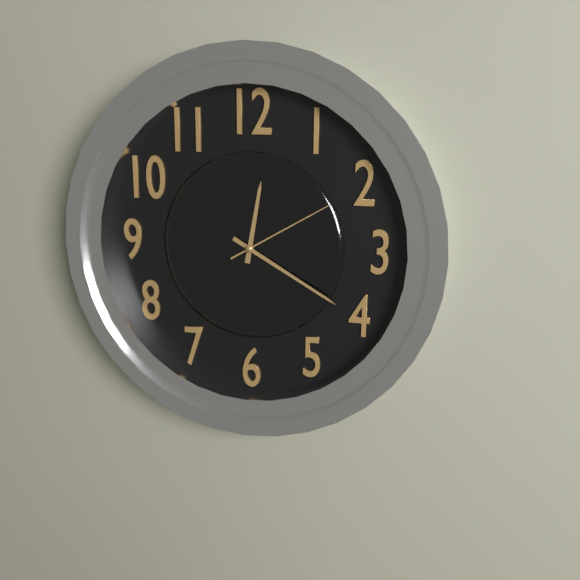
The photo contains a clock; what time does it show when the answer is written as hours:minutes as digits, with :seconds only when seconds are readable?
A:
12:20:10
